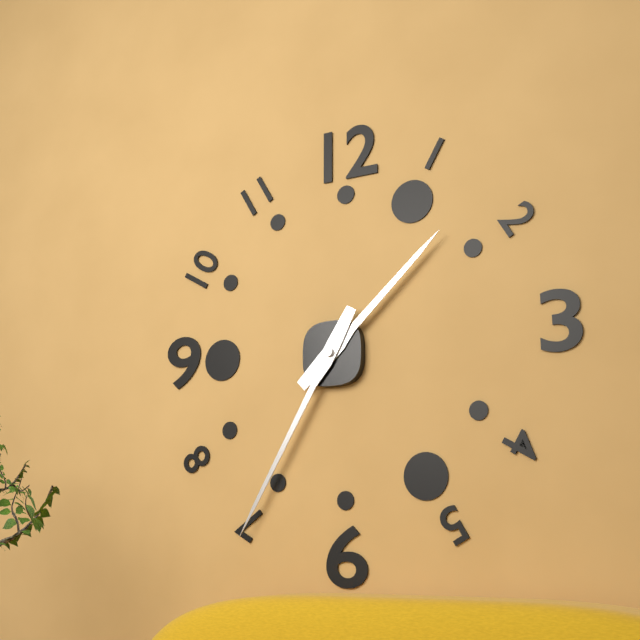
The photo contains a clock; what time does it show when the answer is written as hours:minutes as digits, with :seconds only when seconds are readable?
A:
1:35
